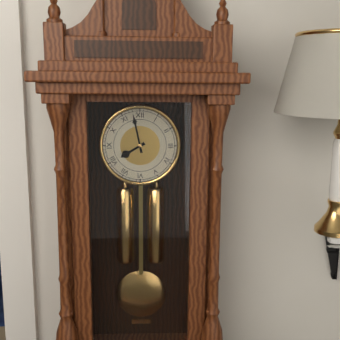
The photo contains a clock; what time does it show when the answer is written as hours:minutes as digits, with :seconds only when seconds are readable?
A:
7:58
